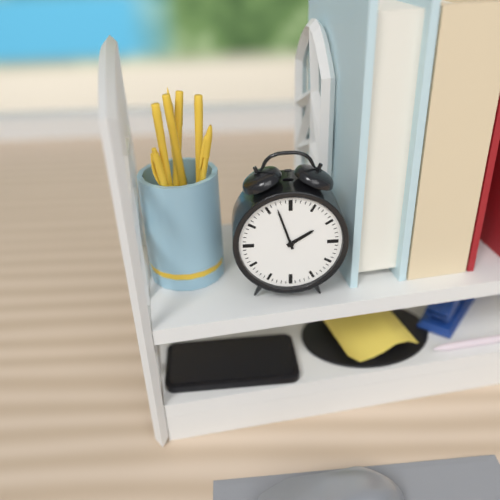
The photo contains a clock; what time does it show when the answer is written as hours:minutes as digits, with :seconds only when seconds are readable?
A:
1:57
